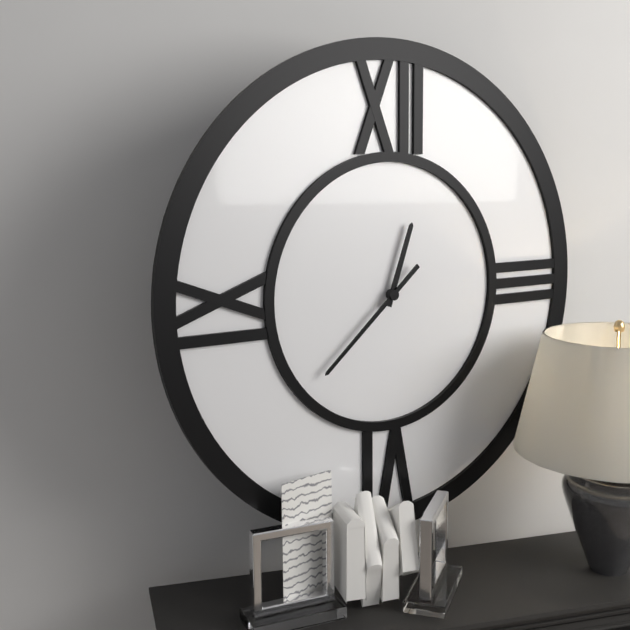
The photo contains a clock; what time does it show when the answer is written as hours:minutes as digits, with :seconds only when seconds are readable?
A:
12:38
